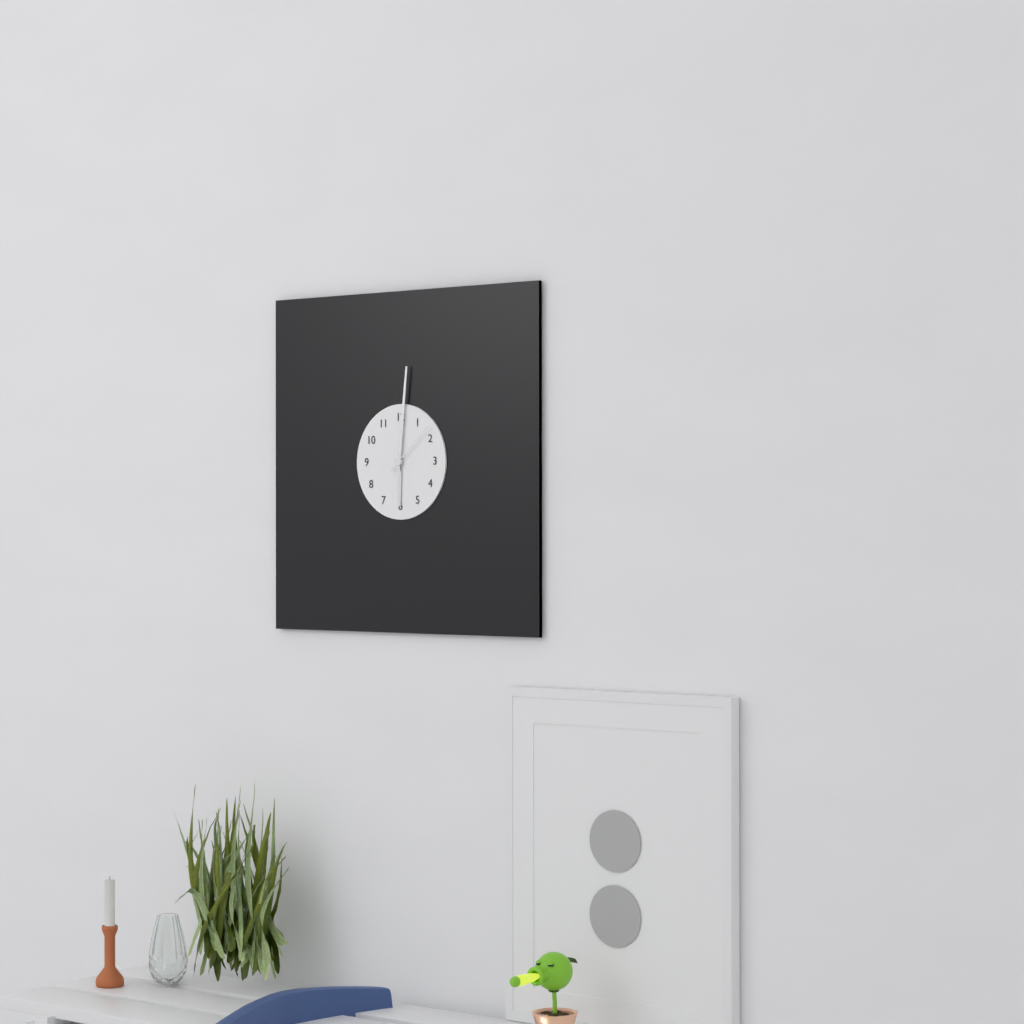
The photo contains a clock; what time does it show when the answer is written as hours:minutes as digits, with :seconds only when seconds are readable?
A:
6:01:08
